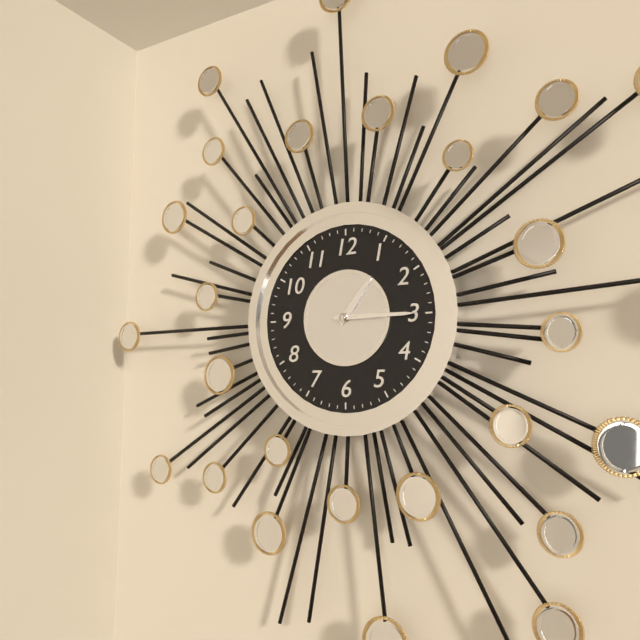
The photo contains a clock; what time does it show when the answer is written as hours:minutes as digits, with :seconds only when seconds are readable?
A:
1:15
